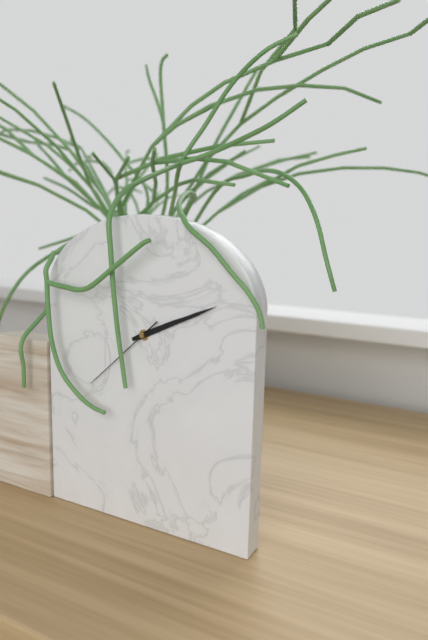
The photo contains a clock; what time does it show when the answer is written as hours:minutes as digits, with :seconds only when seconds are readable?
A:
2:11:38
